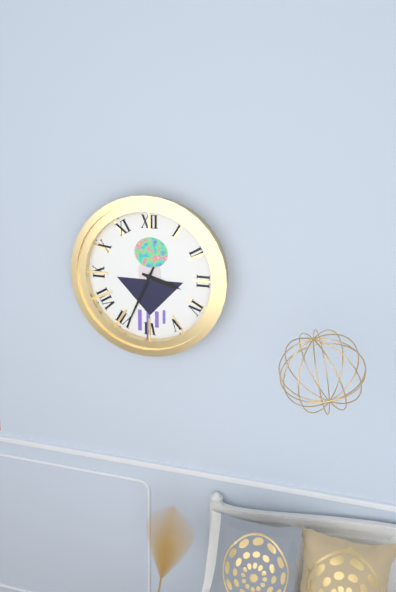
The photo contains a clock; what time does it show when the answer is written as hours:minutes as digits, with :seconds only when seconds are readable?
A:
3:34
